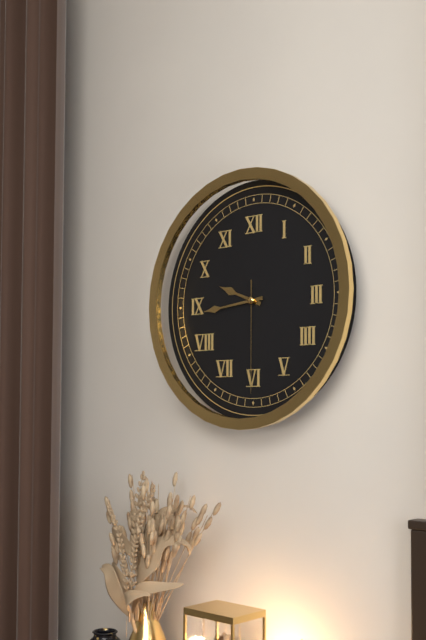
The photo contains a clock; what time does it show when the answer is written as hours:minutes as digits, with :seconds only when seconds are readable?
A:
9:44:30
